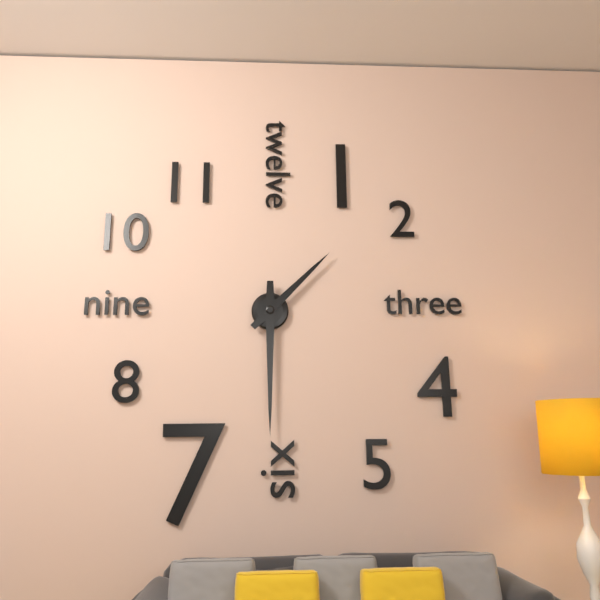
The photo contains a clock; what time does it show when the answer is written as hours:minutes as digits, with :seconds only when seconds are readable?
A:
1:30
